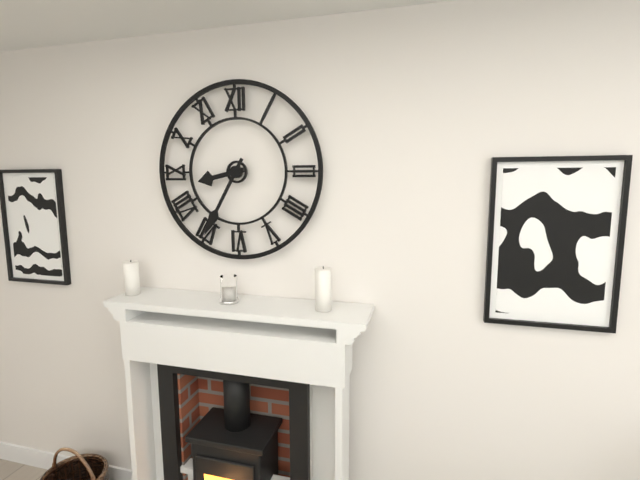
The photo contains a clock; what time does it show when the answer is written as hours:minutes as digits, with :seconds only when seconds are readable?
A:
8:35
